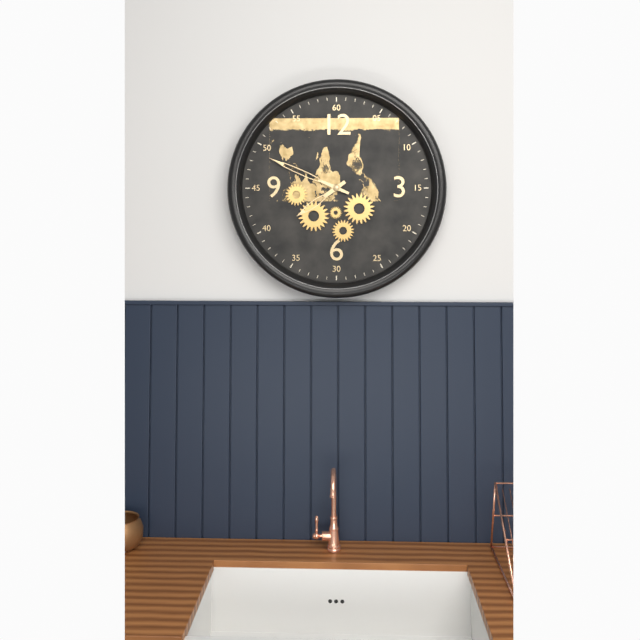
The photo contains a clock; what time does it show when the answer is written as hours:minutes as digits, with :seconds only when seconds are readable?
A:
7:49
